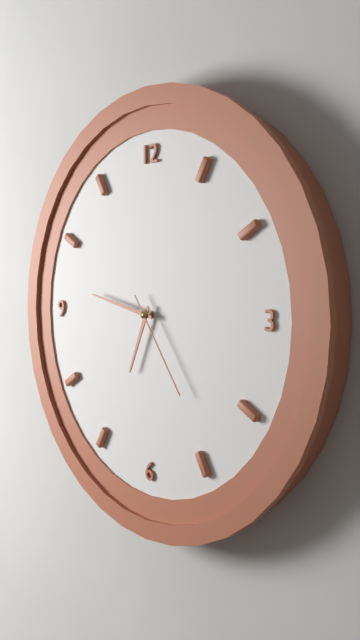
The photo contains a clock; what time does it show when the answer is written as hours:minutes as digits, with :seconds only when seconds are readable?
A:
6:47:24
